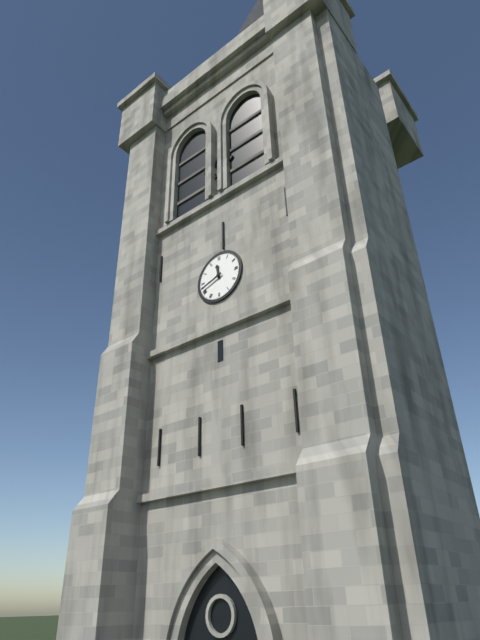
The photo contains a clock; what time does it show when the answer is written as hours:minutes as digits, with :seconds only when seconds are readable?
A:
11:42
